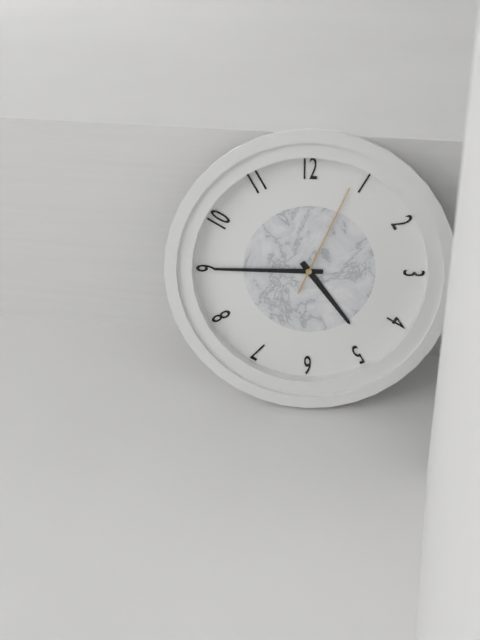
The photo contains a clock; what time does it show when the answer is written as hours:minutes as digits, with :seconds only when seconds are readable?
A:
4:45:04
